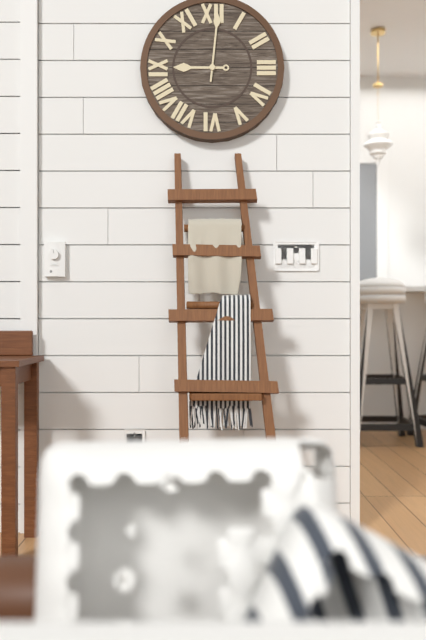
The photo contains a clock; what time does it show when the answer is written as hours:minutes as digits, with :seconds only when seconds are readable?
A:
9:01
